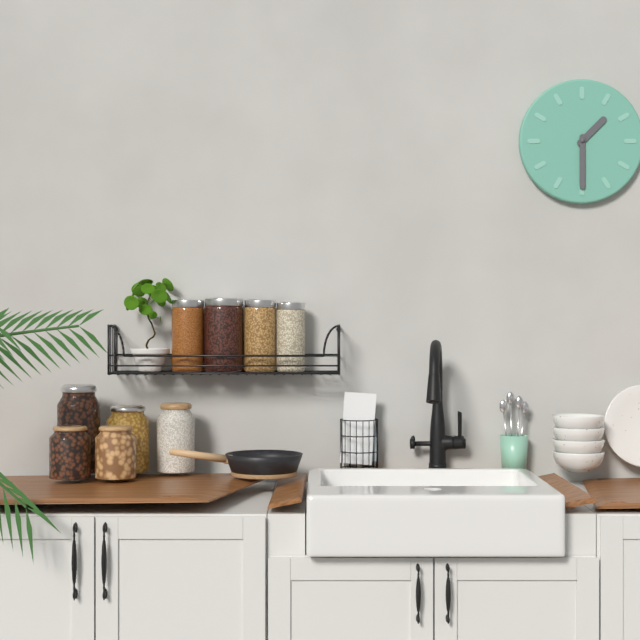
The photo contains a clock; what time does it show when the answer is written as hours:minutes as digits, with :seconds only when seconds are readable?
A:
1:30
